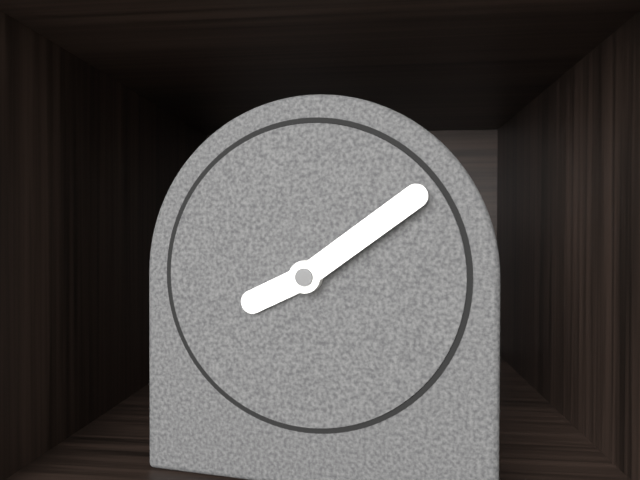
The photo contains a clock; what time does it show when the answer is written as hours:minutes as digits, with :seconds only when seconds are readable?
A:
8:09
